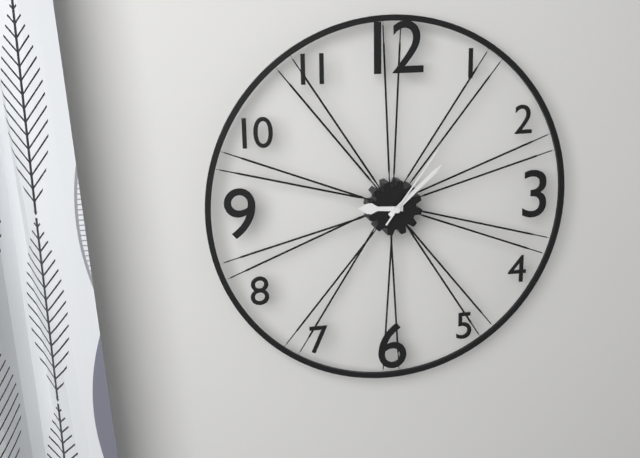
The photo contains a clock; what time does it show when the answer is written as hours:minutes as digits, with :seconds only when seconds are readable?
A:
9:08:06
